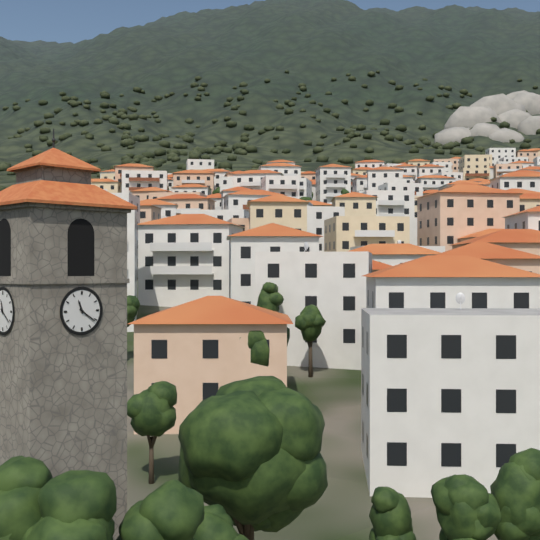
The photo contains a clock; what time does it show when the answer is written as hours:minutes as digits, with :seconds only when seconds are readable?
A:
11:21
